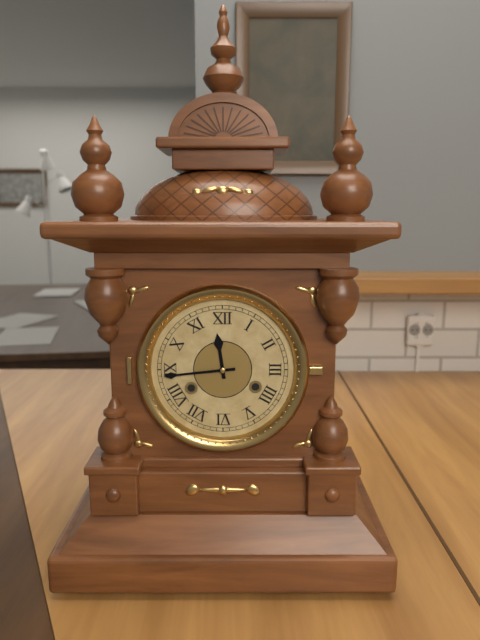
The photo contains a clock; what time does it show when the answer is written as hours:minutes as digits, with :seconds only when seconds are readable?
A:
11:44
